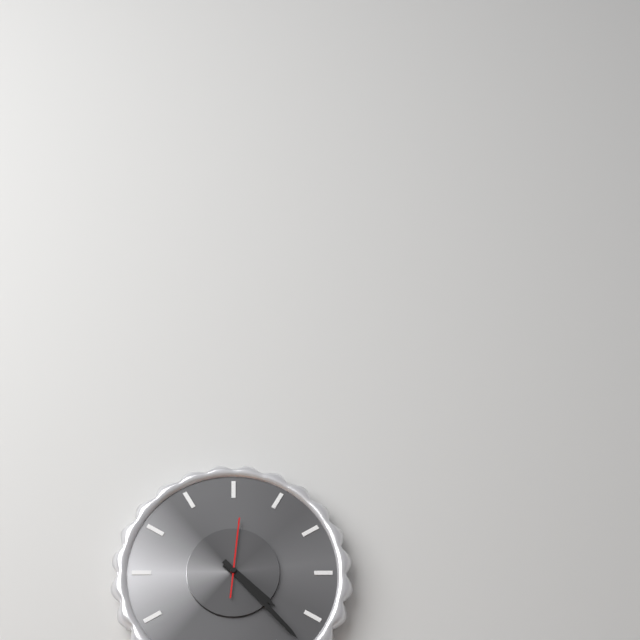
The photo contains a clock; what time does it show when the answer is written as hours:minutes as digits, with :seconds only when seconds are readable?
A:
4:23:01
